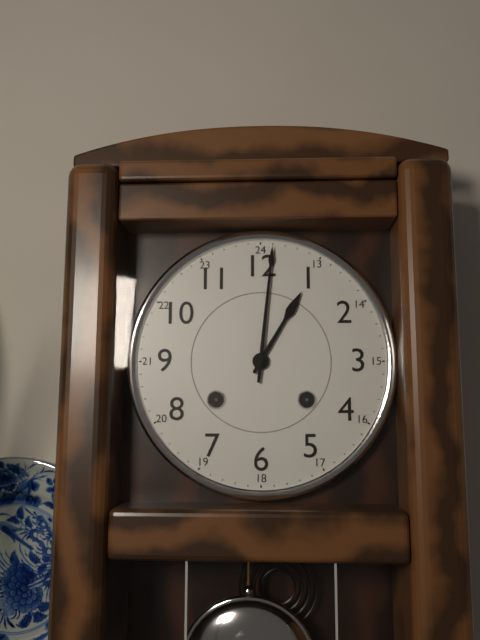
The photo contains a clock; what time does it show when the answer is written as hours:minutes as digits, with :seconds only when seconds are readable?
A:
1:01
